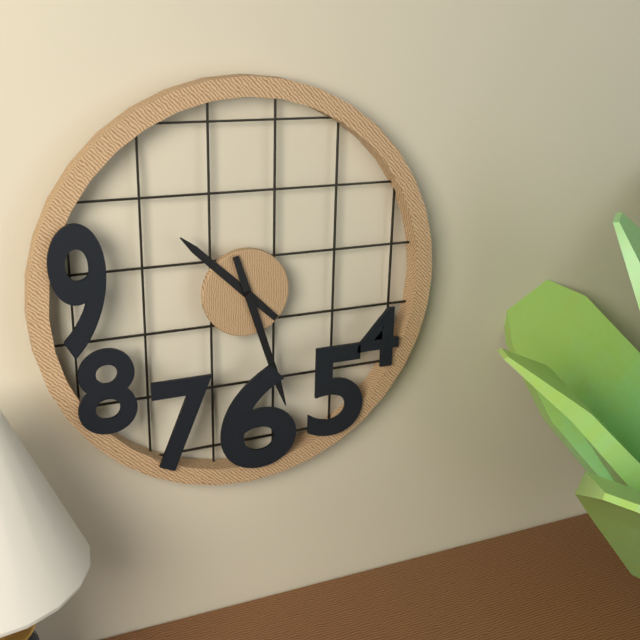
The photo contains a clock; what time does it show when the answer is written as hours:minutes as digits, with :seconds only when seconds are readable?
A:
10:27
